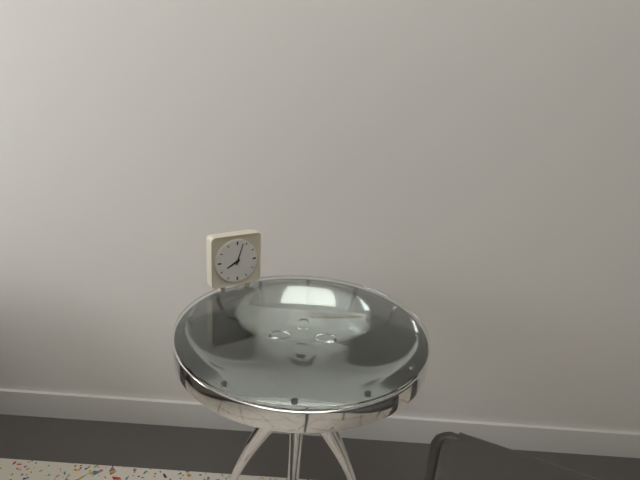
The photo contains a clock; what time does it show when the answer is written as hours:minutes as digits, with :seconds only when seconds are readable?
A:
8:03
